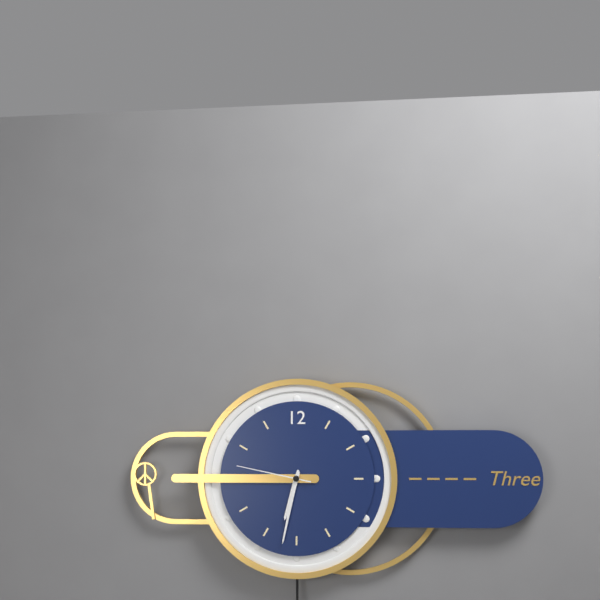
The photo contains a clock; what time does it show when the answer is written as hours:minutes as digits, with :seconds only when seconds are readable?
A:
6:32:47
